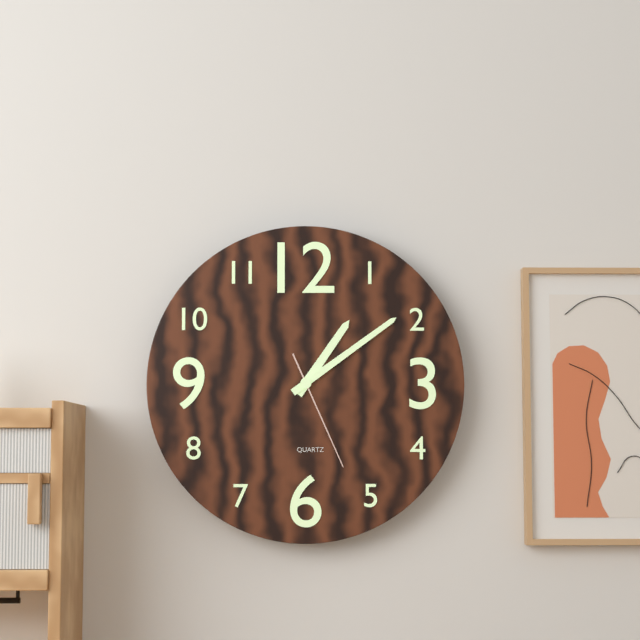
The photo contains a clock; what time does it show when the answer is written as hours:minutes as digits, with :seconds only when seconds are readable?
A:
1:09:26
